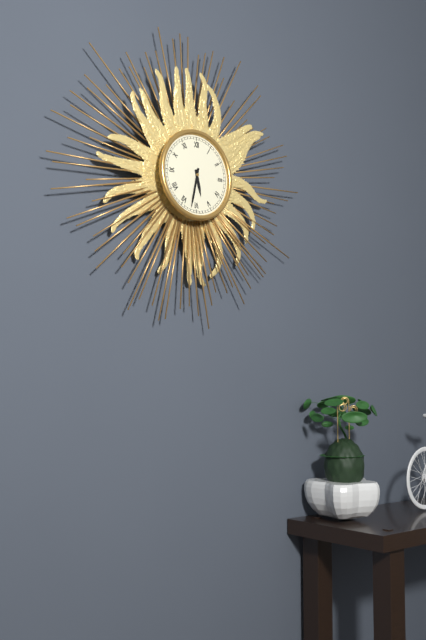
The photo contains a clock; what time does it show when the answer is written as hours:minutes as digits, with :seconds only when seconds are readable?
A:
5:32
